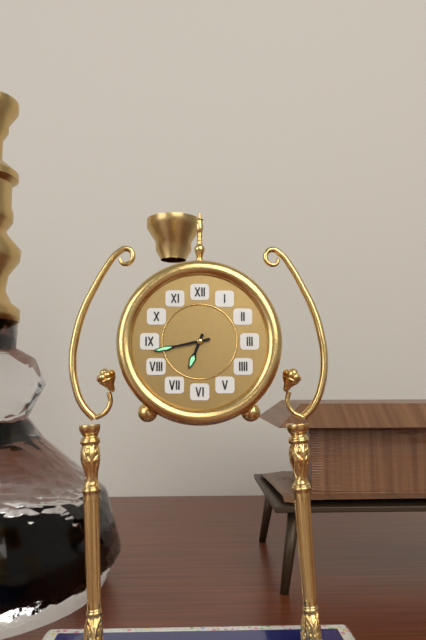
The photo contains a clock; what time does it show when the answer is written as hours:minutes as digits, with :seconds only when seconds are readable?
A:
6:43
